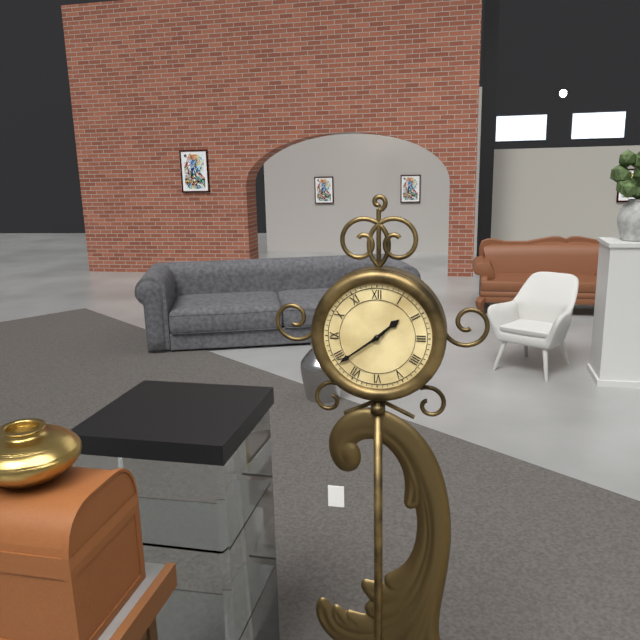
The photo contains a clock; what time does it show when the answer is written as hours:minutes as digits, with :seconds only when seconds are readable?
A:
1:39
